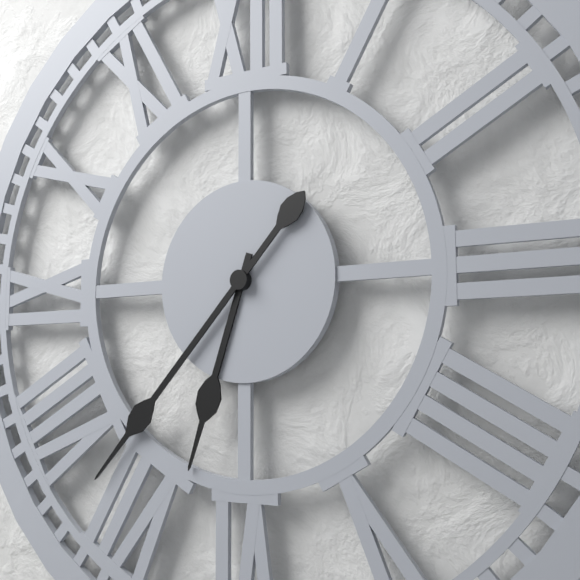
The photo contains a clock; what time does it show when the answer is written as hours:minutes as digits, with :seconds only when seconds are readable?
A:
6:37
